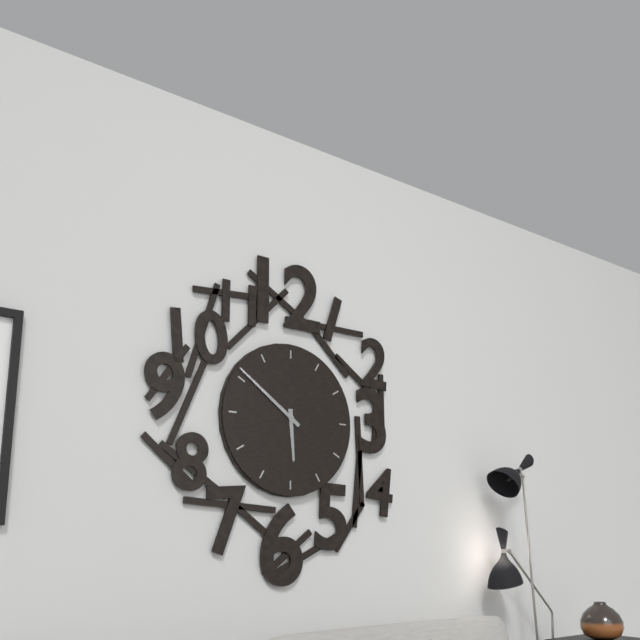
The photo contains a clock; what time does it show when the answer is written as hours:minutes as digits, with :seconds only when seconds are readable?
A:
5:51
